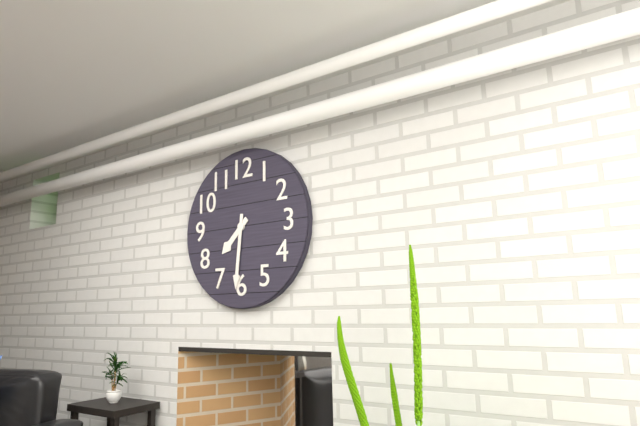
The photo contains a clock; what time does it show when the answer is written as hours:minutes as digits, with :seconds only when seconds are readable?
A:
7:31
